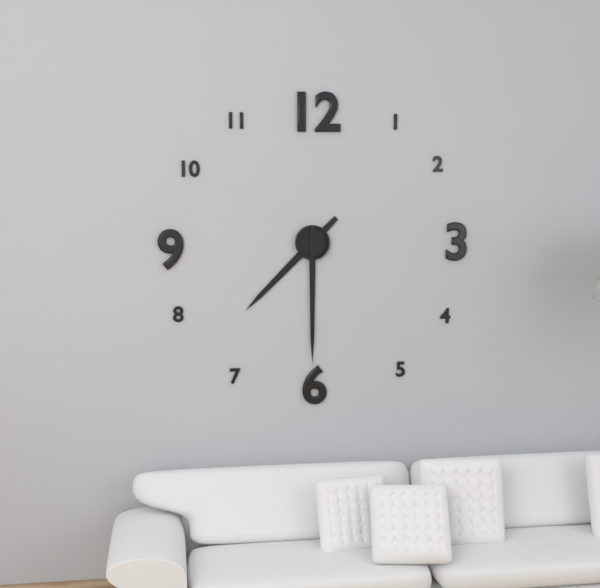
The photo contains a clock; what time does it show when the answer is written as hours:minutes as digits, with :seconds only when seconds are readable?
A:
7:30
